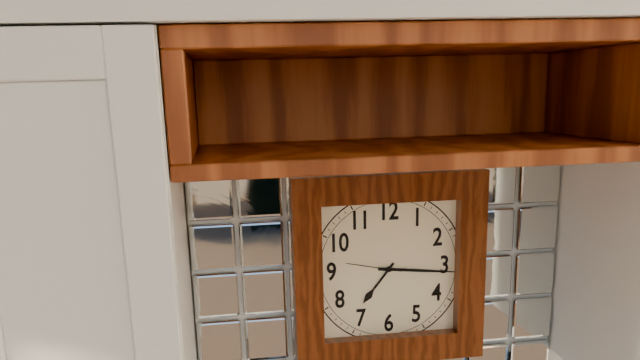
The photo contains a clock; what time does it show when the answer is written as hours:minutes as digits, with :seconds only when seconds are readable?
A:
7:16:47
